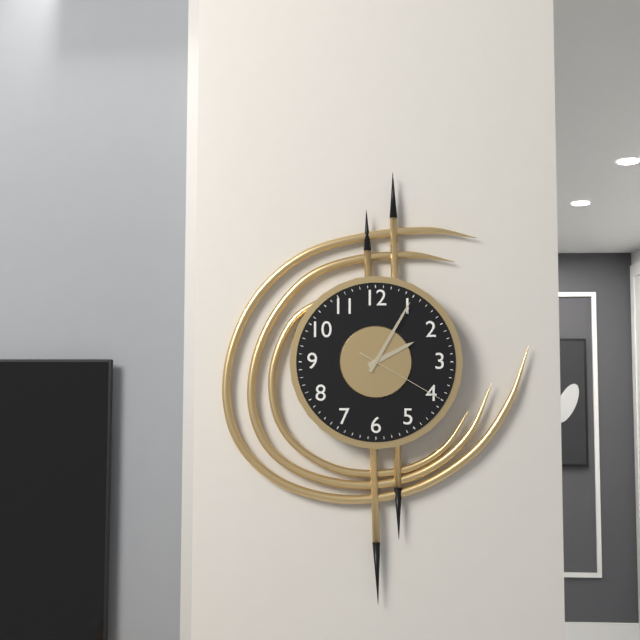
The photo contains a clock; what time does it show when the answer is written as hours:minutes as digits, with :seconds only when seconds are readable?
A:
2:05:20
